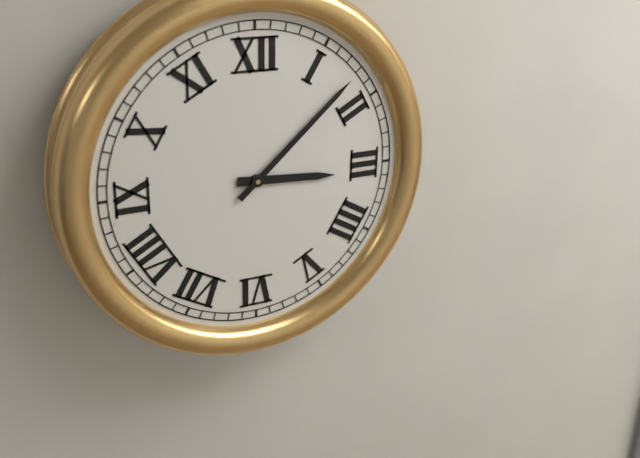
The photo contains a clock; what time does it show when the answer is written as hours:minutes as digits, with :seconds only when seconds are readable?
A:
3:08
